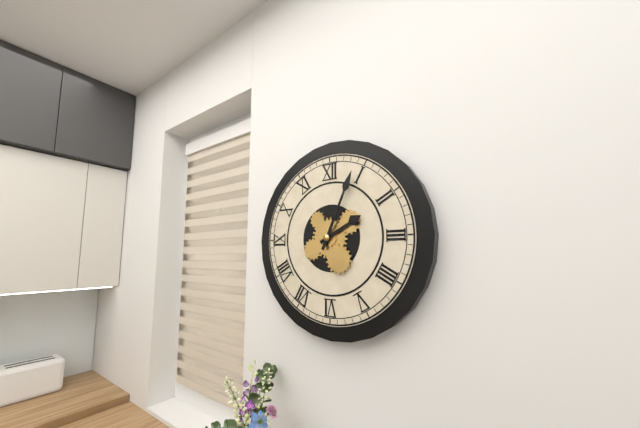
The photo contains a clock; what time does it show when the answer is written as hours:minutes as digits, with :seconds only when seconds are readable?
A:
2:04
